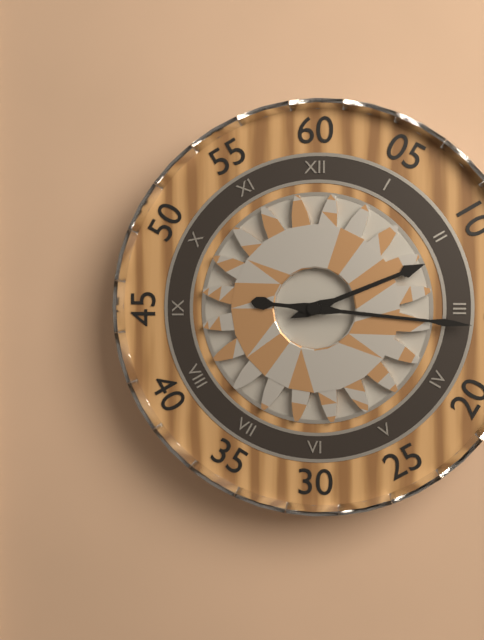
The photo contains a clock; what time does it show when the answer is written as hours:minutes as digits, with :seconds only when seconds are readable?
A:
2:16
